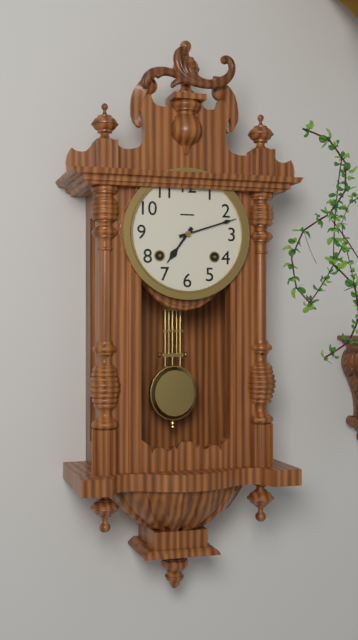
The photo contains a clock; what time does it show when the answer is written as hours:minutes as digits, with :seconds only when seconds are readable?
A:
7:12
